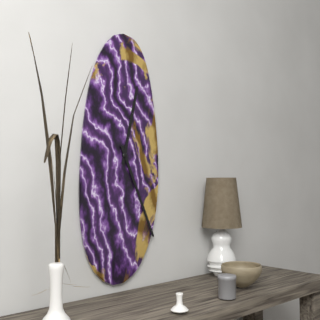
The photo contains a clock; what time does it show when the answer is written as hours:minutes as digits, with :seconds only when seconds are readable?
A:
12:26
